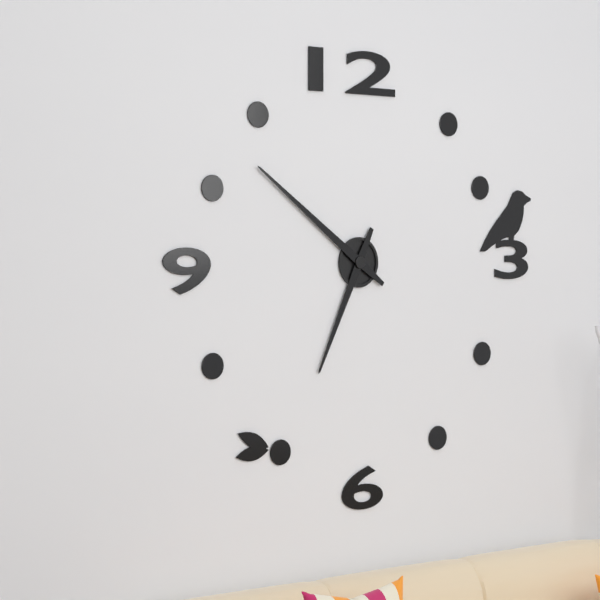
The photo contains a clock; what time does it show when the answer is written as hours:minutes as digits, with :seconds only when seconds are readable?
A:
6:51
